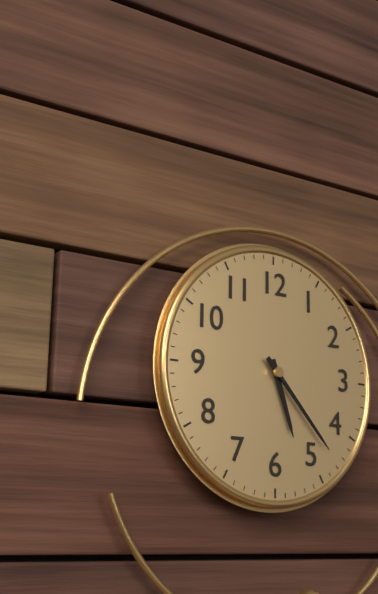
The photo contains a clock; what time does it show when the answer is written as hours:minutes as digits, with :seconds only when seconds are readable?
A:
5:23
